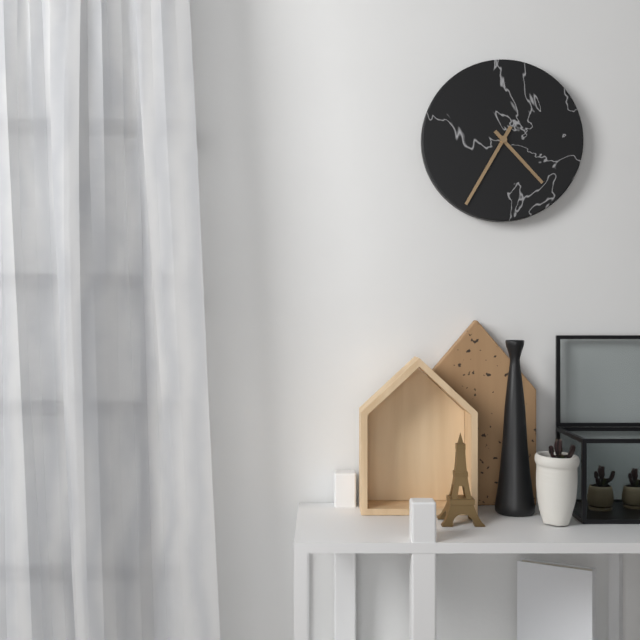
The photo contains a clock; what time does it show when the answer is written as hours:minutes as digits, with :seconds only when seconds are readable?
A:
4:35
